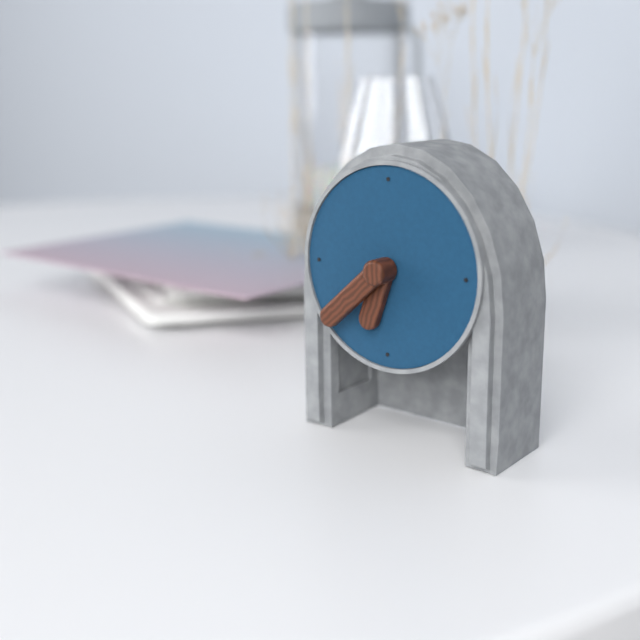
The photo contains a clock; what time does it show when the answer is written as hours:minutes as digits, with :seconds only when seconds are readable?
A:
6:38
